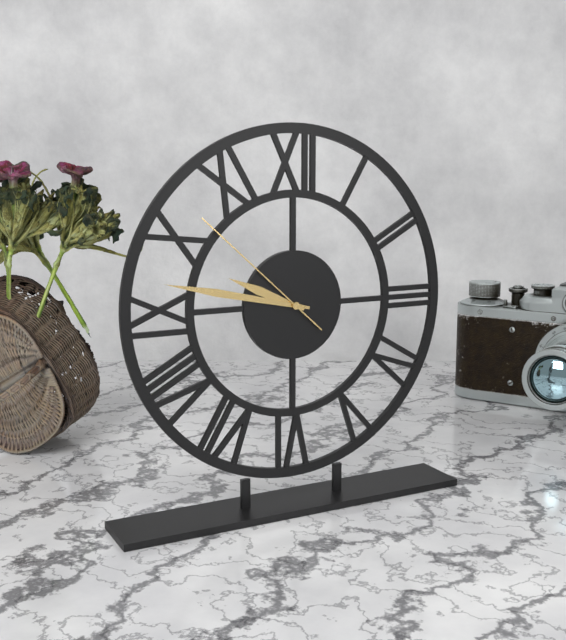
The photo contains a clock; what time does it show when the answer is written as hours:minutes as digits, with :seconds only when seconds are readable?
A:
9:47:52
